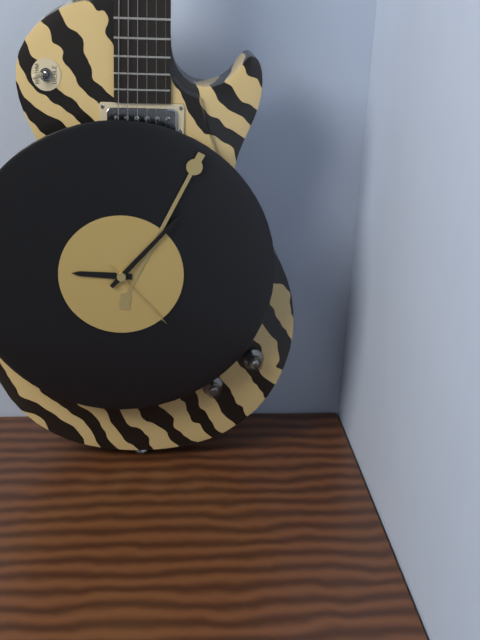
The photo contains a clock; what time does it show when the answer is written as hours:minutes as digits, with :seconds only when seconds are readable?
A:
9:07:23
